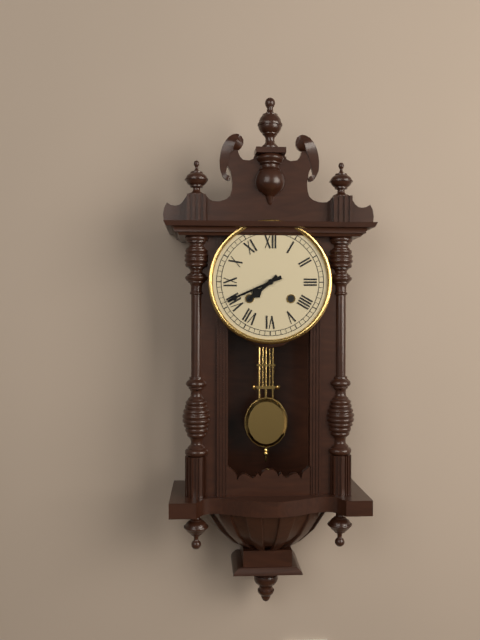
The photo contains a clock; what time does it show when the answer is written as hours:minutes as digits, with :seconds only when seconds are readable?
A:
7:41
